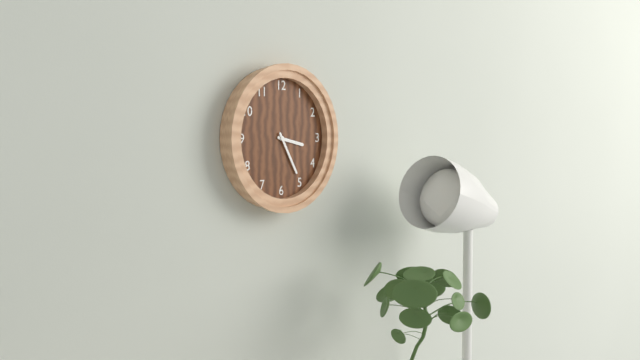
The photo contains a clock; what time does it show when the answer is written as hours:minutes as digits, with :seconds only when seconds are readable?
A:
3:25
